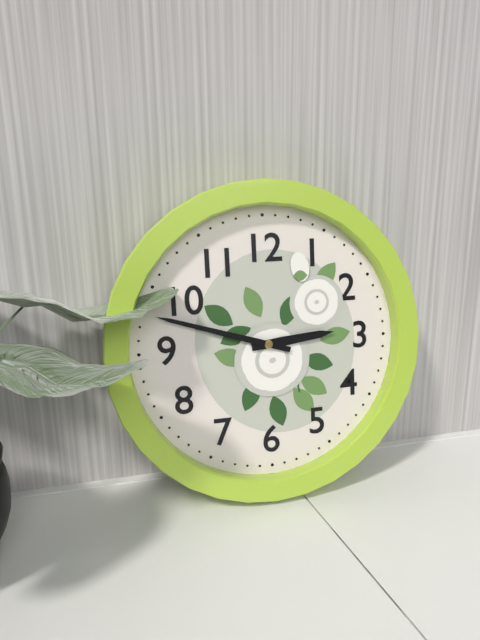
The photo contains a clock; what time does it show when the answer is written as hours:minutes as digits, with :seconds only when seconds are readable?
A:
2:48
